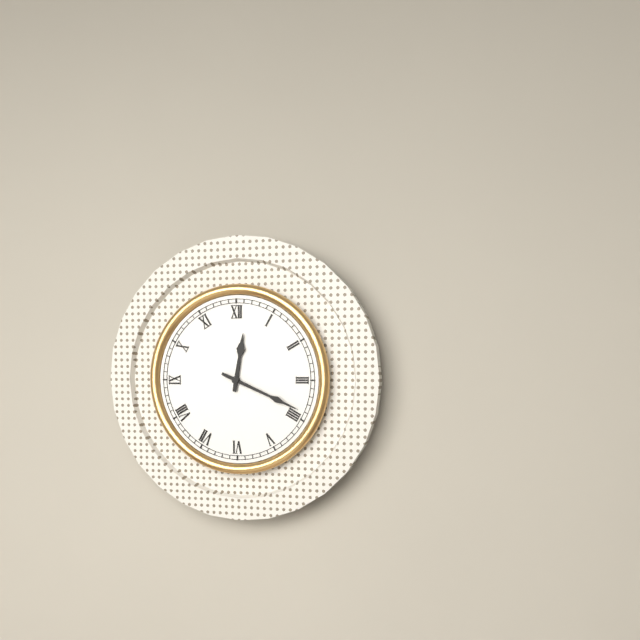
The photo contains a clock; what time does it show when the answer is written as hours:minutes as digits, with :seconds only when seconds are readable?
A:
12:19
